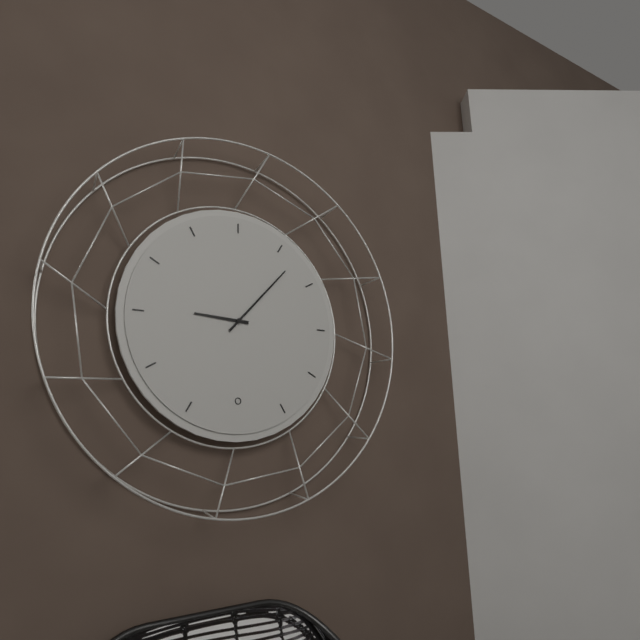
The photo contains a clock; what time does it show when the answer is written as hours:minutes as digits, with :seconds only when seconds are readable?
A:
9:07
